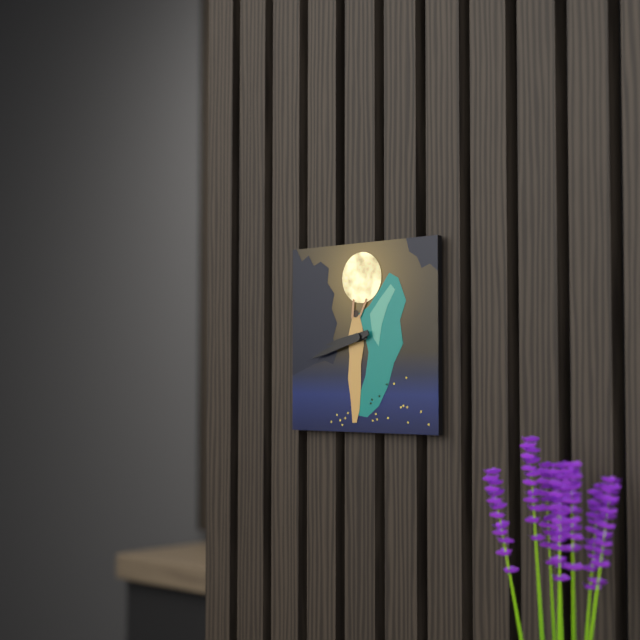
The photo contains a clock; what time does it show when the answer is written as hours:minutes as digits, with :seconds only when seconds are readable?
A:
8:42
